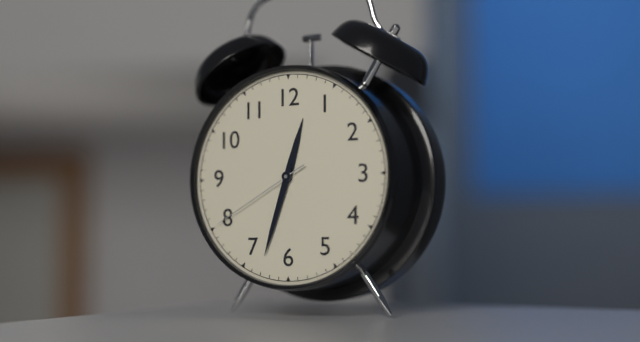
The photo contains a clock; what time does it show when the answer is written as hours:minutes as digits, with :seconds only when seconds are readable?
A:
12:33:40
